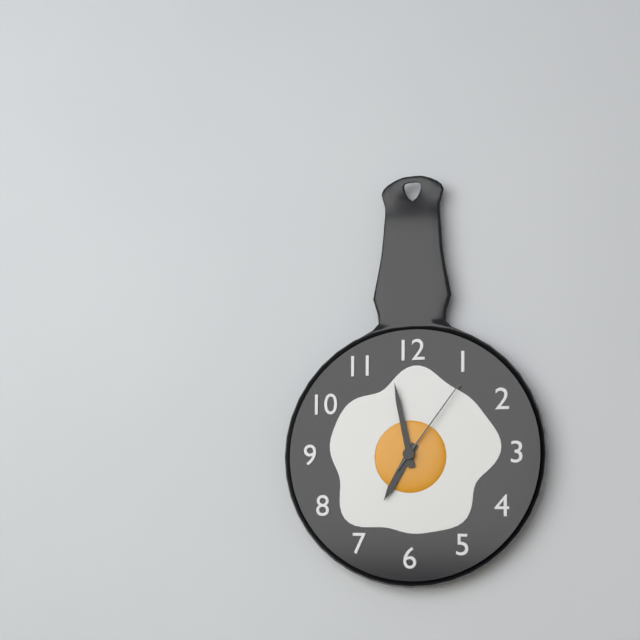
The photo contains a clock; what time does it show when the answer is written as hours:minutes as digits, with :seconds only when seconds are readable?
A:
6:58:06
